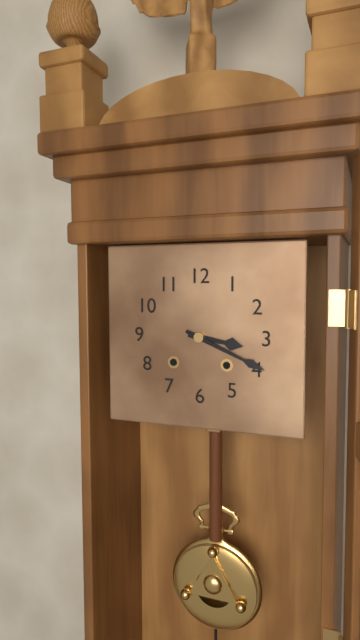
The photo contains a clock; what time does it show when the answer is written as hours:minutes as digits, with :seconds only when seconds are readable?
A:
3:19
